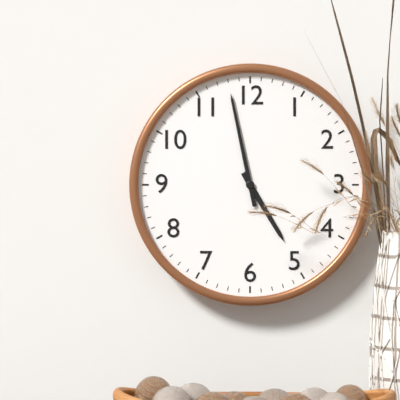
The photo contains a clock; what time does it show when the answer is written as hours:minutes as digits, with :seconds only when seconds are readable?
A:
4:58
